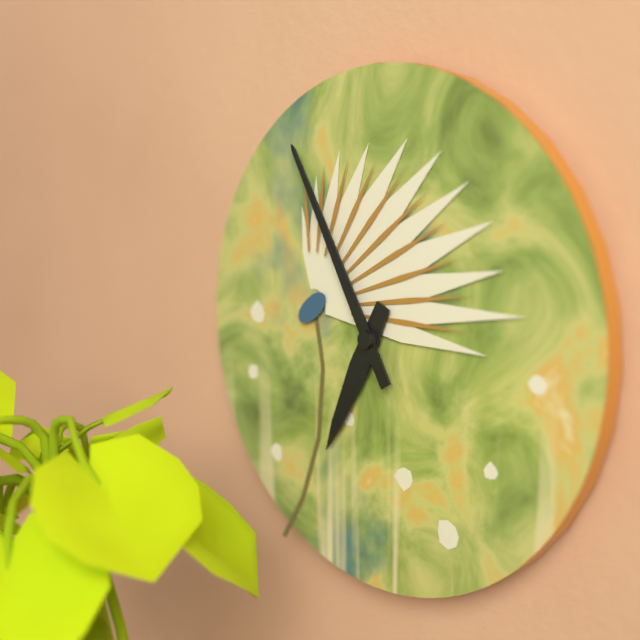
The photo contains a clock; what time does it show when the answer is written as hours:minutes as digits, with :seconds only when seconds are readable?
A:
6:55
